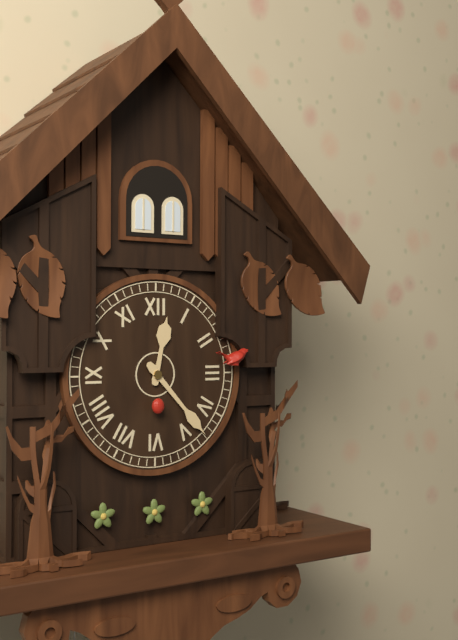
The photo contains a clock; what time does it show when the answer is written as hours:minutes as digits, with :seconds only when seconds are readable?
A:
12:23
